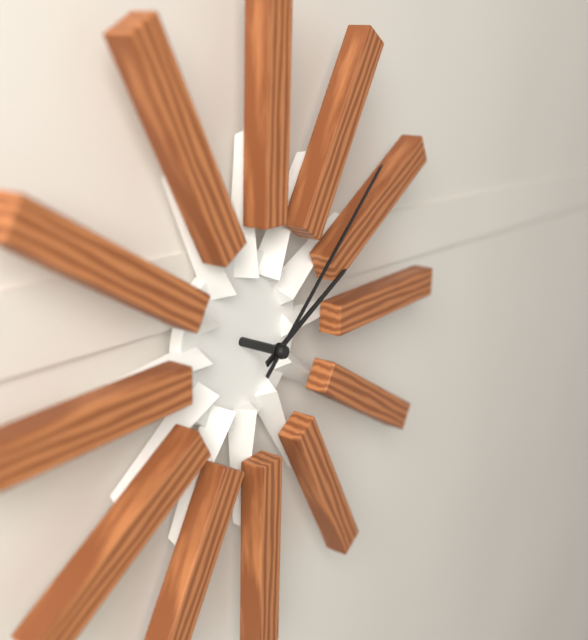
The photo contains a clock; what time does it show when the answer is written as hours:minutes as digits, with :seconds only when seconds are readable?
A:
2:08
